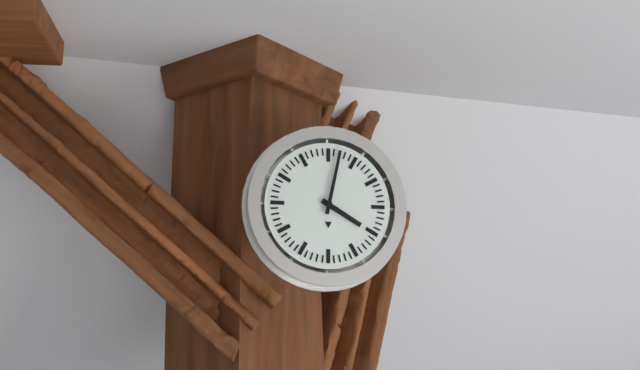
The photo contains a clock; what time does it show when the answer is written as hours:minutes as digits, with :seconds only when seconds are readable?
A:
4:02
